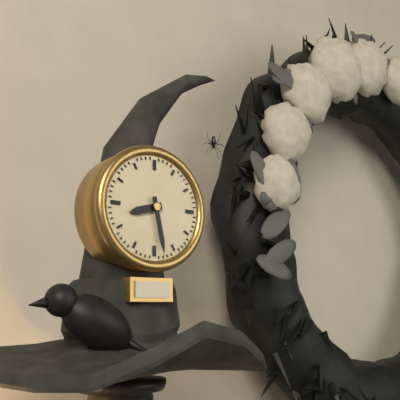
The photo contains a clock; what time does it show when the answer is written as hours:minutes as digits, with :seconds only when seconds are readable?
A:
8:28
